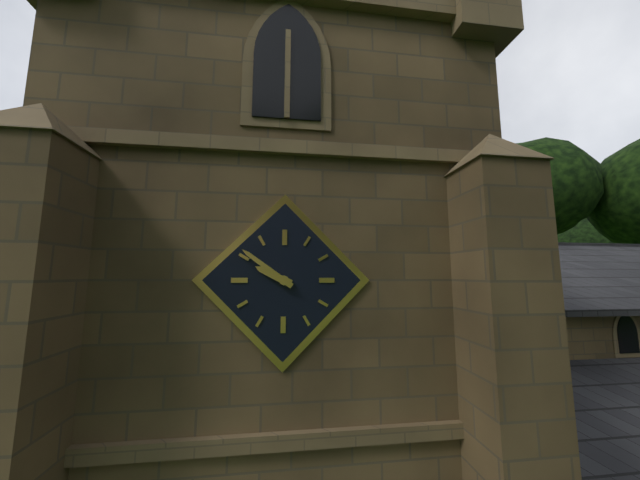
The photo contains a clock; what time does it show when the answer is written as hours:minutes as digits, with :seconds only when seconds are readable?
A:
9:51
